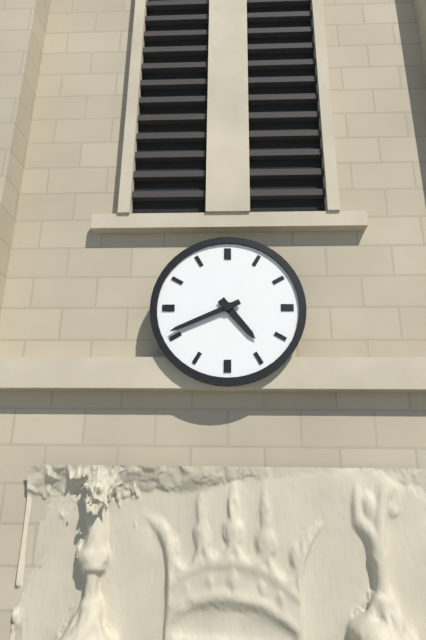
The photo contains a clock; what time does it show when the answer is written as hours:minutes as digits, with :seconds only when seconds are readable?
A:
4:41
